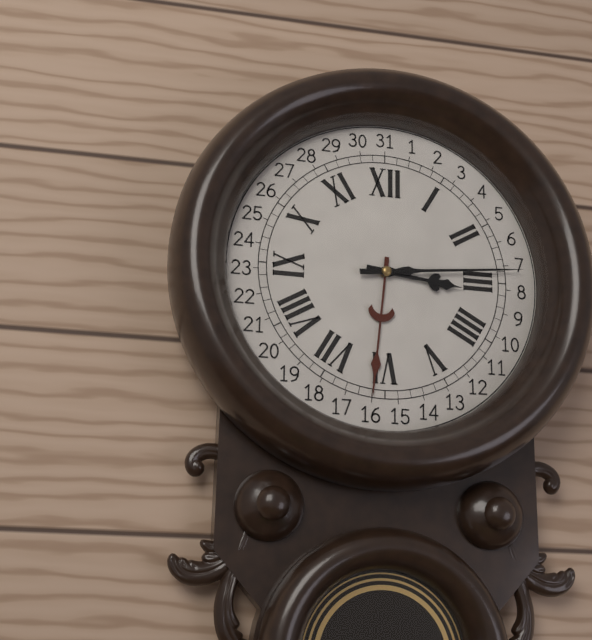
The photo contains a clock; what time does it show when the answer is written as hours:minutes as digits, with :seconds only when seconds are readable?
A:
3:14
